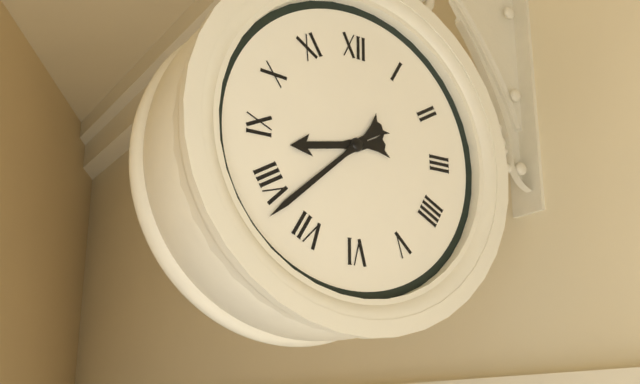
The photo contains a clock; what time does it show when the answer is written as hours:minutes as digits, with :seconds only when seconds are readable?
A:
8:38
